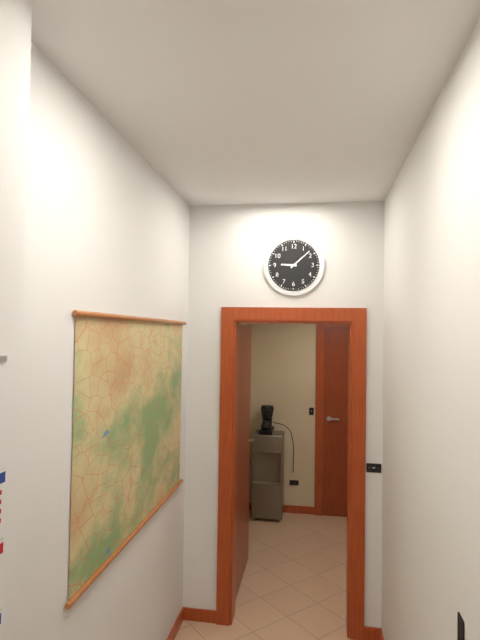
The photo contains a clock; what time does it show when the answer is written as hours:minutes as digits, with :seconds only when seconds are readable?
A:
9:08
